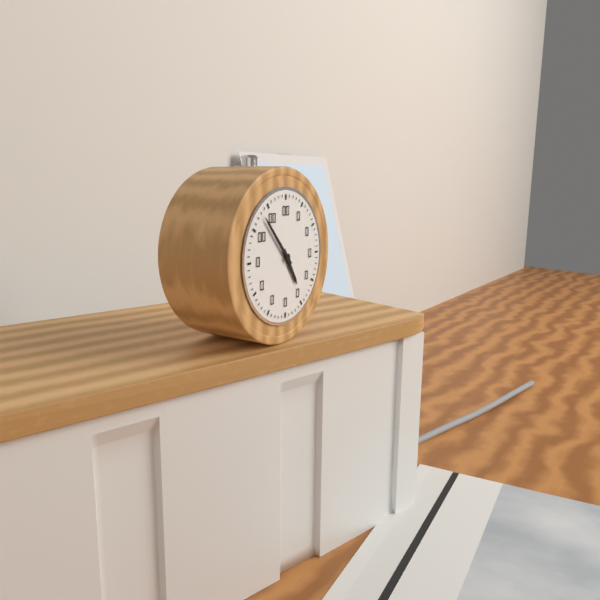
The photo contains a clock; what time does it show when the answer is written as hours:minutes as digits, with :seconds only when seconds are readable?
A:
4:53
